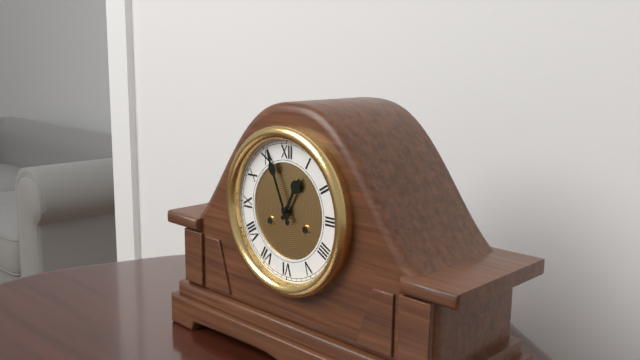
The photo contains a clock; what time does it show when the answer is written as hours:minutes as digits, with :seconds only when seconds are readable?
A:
12:56
